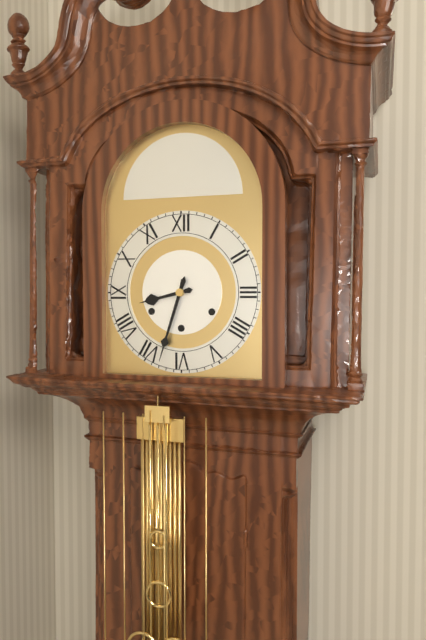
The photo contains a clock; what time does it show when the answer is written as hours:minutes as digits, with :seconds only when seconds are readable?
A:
8:33
